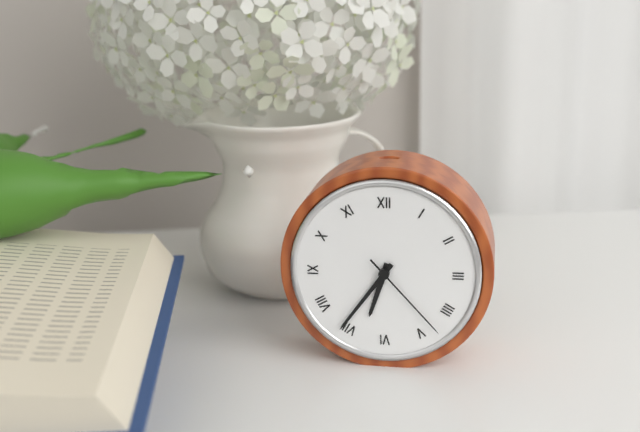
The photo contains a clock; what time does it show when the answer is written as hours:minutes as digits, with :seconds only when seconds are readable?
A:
6:36:23
